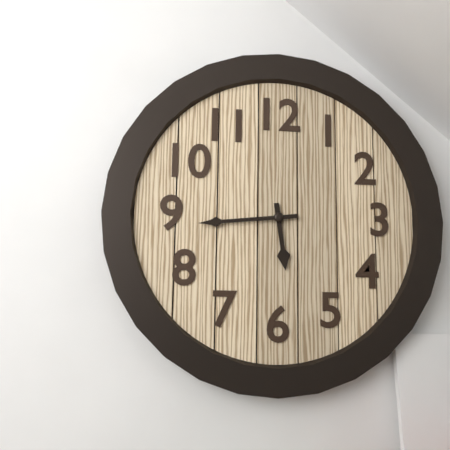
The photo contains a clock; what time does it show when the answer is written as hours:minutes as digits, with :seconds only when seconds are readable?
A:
5:44
